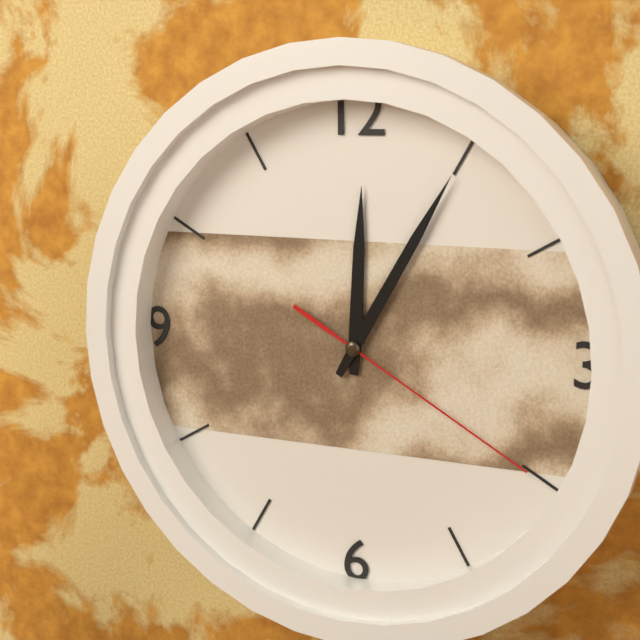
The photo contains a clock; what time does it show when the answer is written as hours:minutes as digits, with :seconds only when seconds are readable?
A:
12:05:20
